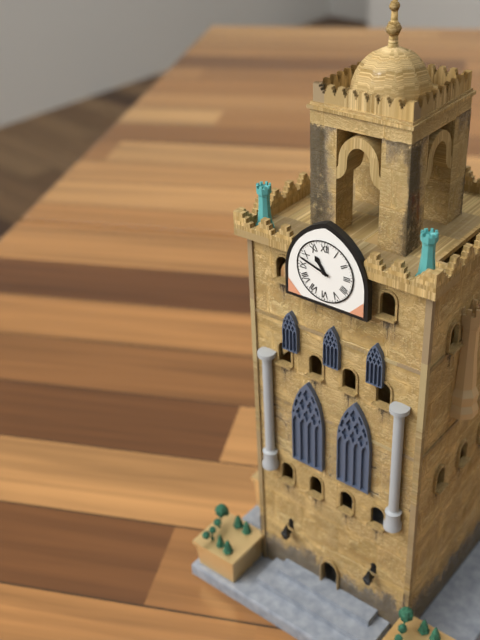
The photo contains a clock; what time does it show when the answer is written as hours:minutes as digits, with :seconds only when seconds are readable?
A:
10:48
